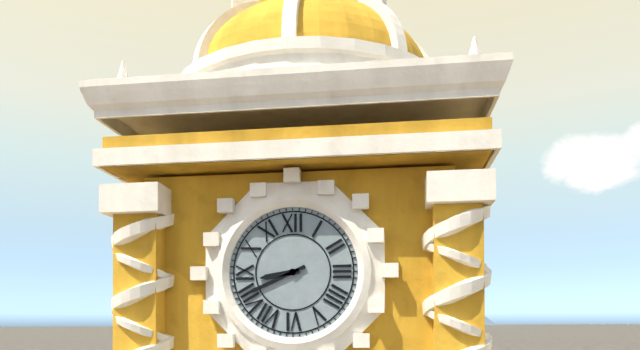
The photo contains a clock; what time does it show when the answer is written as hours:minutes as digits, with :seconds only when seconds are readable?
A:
8:41
